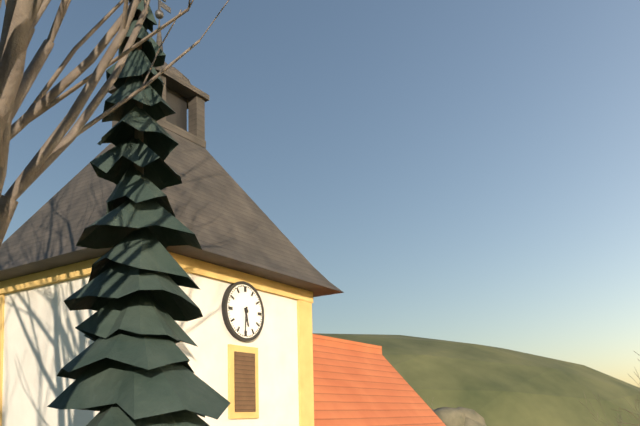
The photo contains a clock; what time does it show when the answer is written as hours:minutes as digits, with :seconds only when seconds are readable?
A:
5:31
